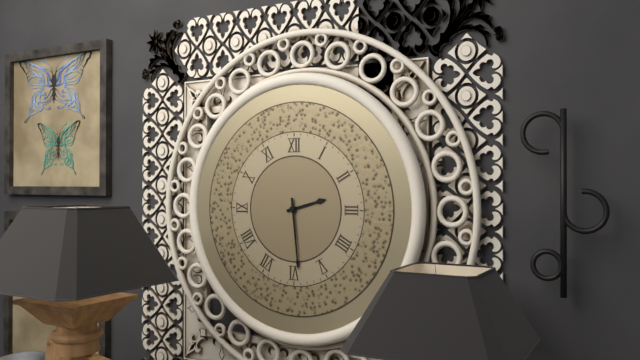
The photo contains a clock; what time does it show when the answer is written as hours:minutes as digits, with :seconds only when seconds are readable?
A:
2:29
